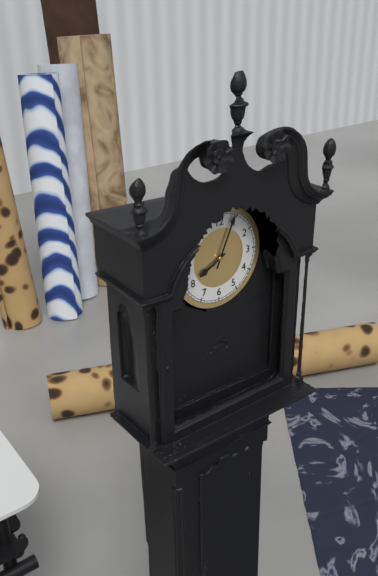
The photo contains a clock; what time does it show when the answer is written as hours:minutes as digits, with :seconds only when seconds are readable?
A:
8:04
